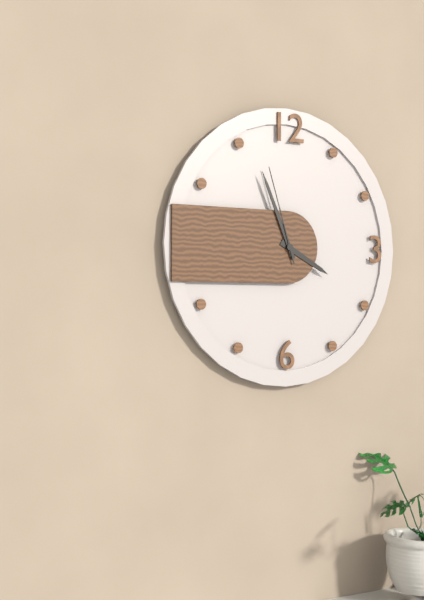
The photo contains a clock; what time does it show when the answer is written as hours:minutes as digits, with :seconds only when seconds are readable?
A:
3:56:57
